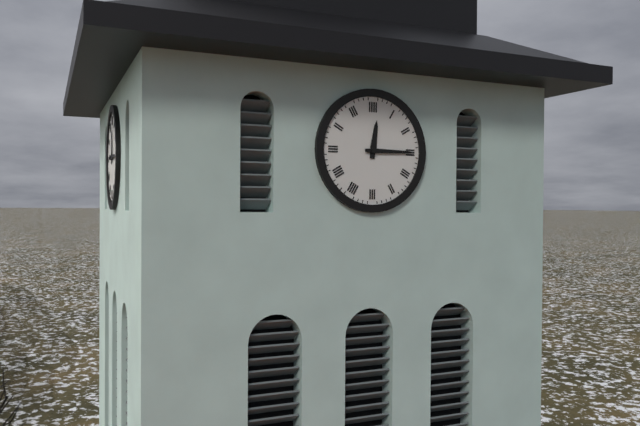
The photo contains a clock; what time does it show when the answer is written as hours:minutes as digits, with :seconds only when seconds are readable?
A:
12:15
